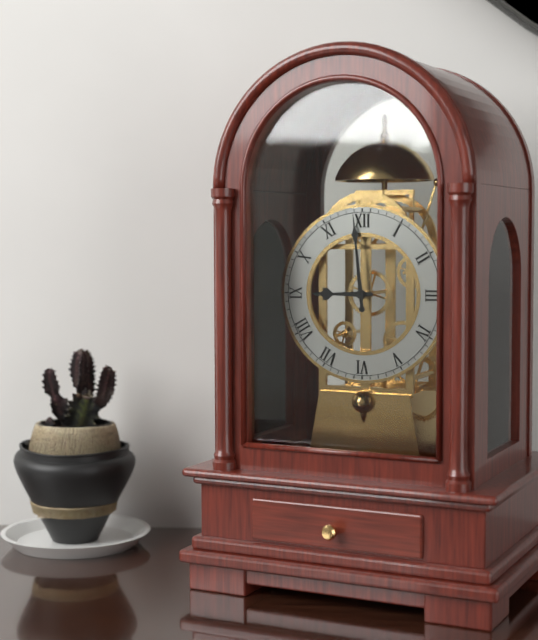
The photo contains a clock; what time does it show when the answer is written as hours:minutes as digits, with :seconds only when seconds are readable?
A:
8:59
